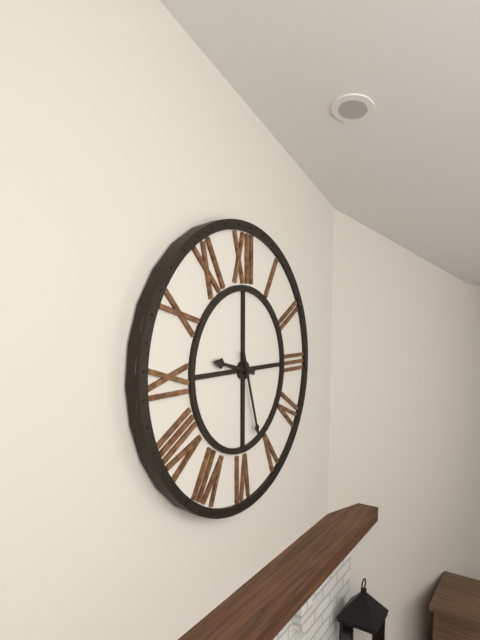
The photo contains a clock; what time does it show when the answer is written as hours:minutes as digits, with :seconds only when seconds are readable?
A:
9:27
